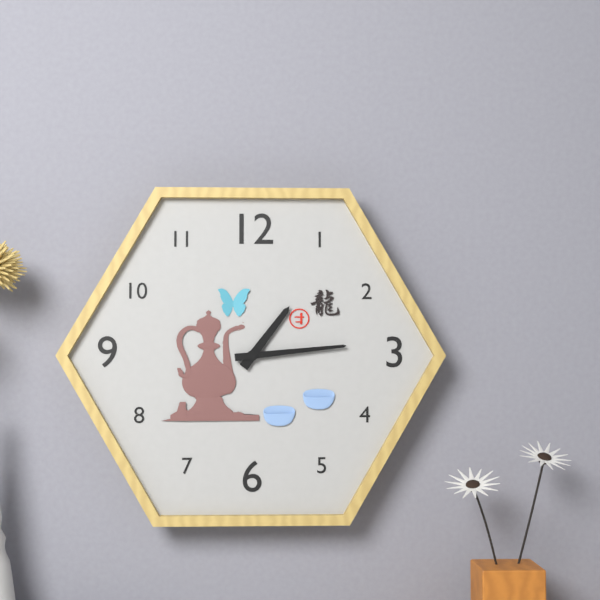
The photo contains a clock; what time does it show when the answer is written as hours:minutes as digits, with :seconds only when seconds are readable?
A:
1:14
